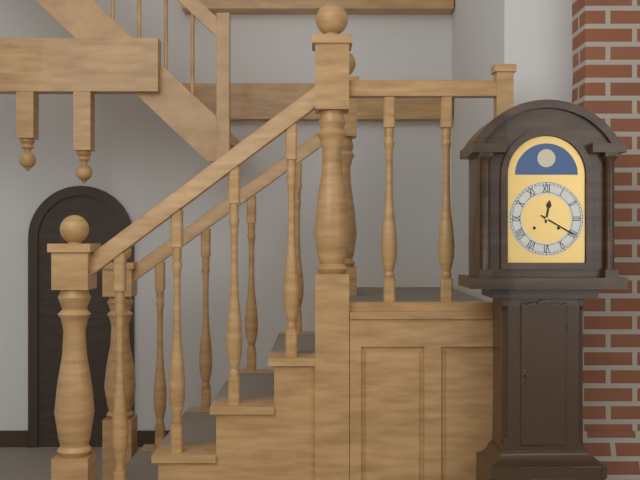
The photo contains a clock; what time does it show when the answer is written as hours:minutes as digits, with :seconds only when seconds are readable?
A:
12:20
